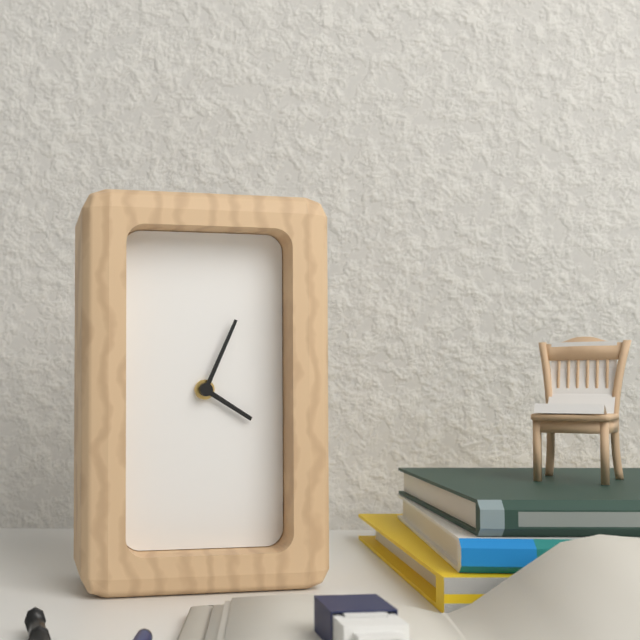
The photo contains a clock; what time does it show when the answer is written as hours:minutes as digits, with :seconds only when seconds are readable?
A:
4:04
